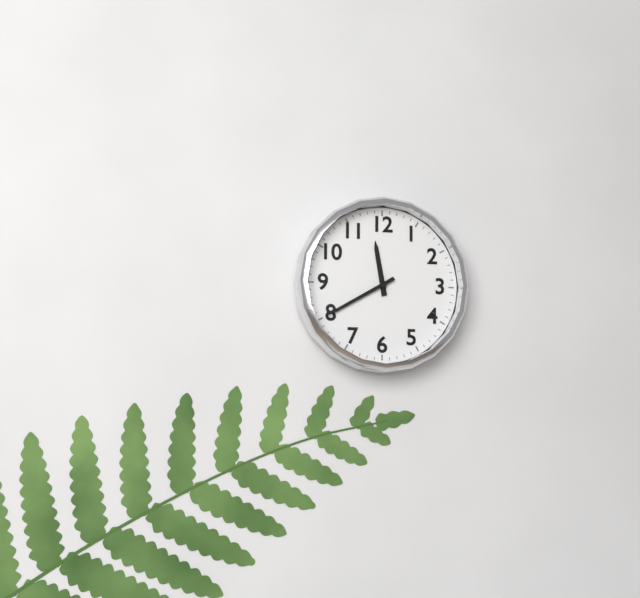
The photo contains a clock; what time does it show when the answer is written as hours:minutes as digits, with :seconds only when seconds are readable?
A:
11:40
